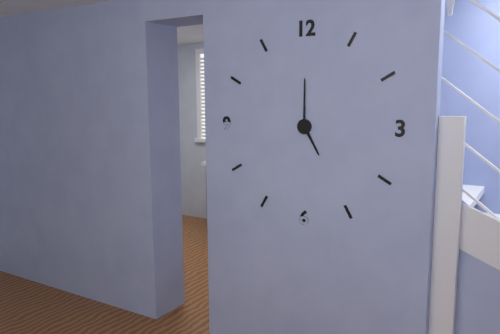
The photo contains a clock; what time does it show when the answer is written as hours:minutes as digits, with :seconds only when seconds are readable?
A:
5:00
